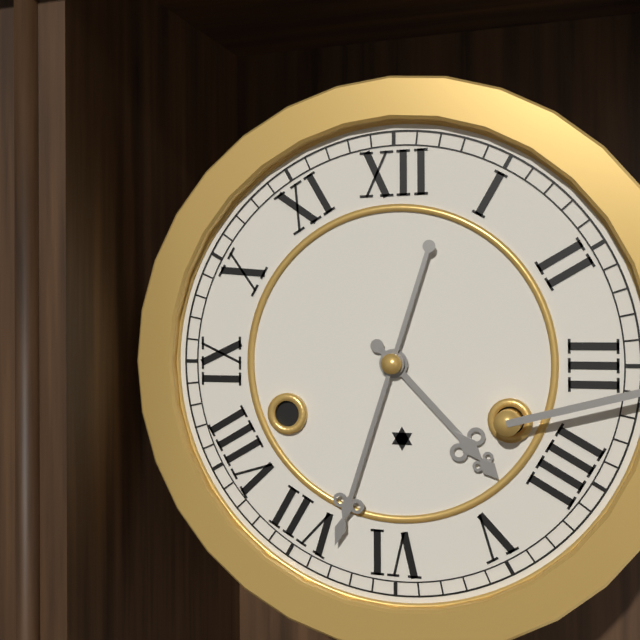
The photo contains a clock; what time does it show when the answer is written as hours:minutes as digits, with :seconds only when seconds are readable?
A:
4:33
